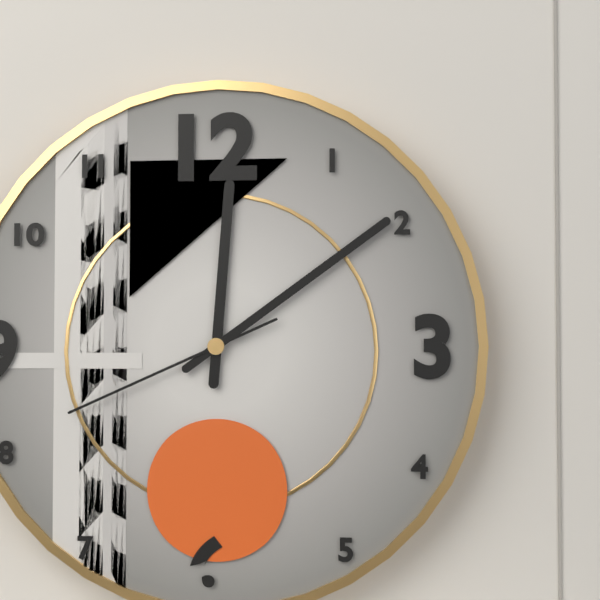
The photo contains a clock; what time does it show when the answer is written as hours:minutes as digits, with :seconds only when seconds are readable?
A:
12:09:41
